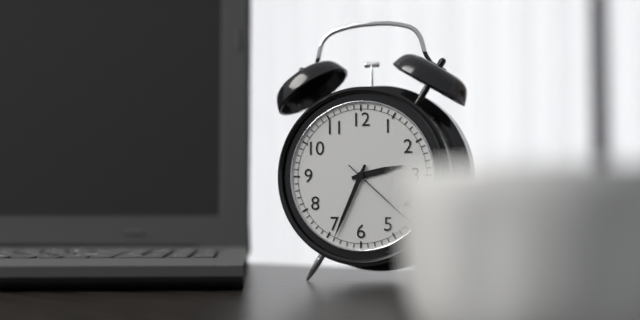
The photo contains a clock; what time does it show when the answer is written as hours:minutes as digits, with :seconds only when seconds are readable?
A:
2:34:22
